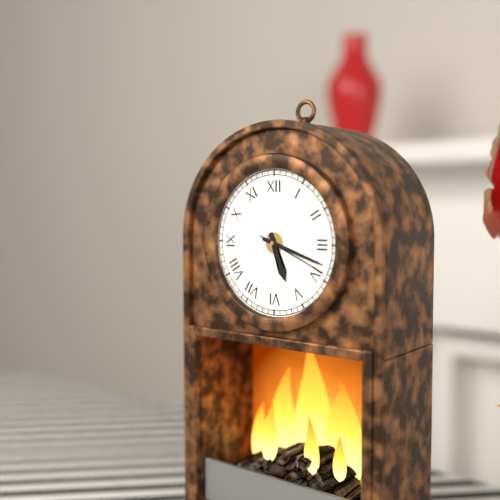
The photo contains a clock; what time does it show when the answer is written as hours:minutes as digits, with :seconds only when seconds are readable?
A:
5:18:19
